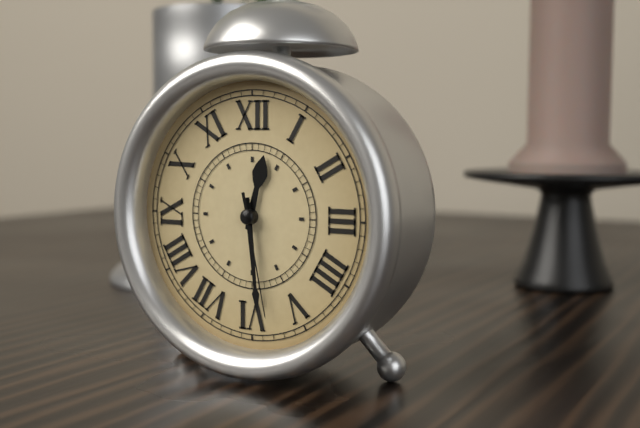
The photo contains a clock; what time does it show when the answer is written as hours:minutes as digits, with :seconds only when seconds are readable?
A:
12:29:28
